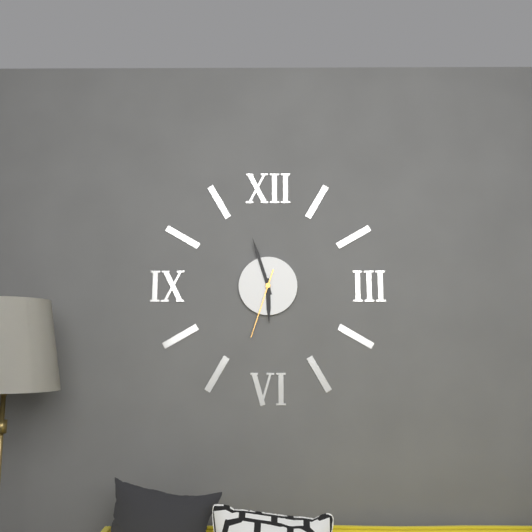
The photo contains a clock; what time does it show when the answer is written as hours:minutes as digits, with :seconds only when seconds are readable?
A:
5:57:33
